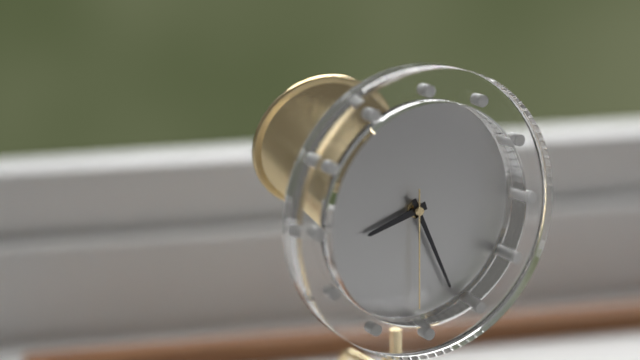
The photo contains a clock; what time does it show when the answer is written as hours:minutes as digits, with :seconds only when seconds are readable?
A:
8:26:30
